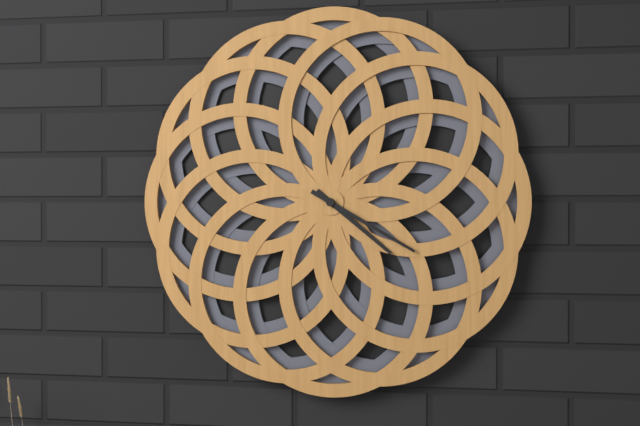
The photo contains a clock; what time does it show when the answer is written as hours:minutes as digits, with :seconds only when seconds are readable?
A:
4:20
